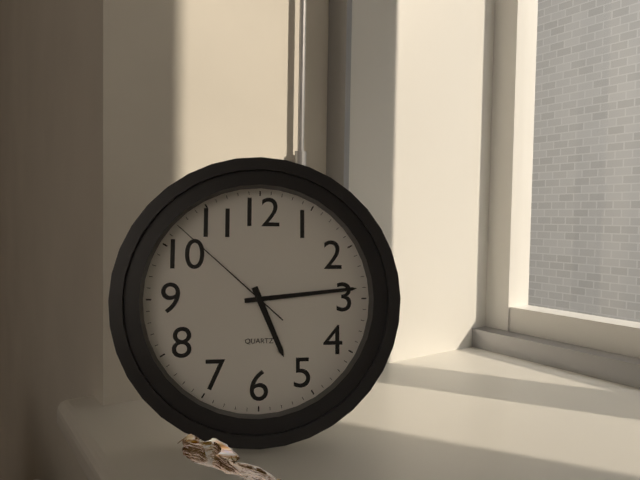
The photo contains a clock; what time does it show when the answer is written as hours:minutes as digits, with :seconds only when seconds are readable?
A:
5:14:52
